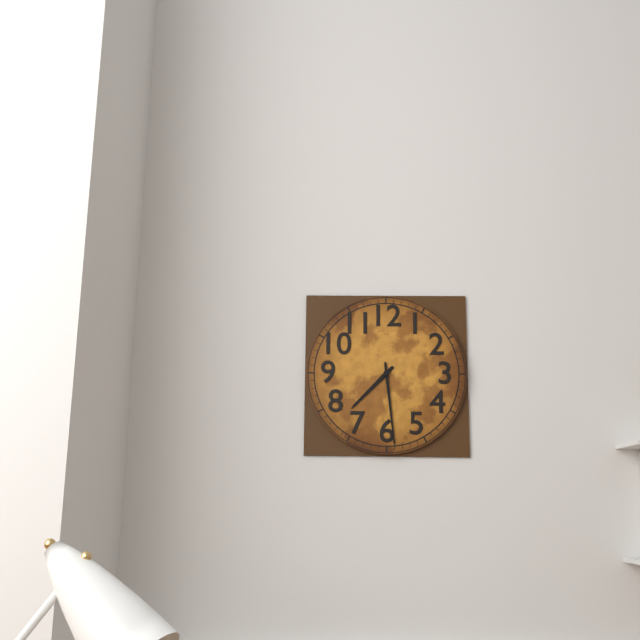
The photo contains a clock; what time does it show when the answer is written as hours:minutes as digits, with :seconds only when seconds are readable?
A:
7:29
